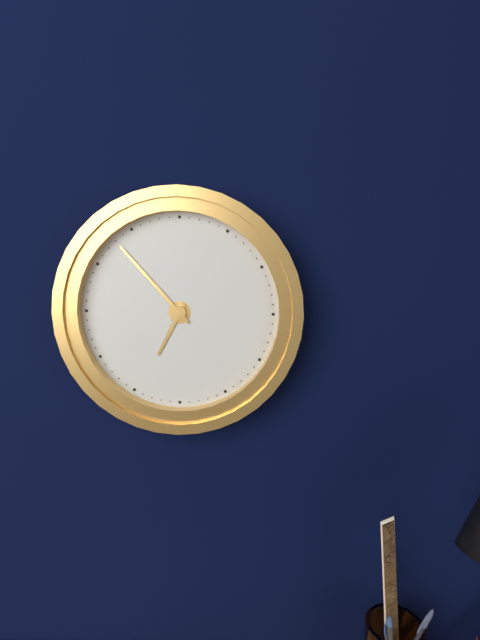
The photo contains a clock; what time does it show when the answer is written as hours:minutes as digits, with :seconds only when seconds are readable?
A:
6:53
